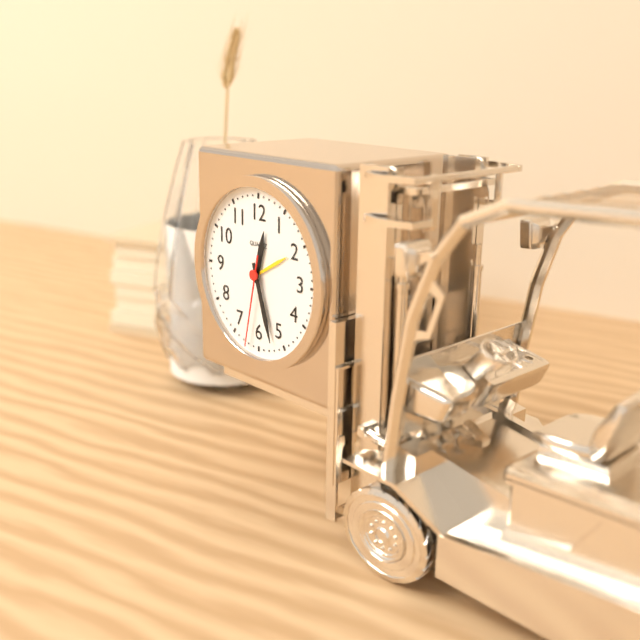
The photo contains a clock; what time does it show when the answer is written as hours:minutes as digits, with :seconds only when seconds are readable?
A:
12:27:32
